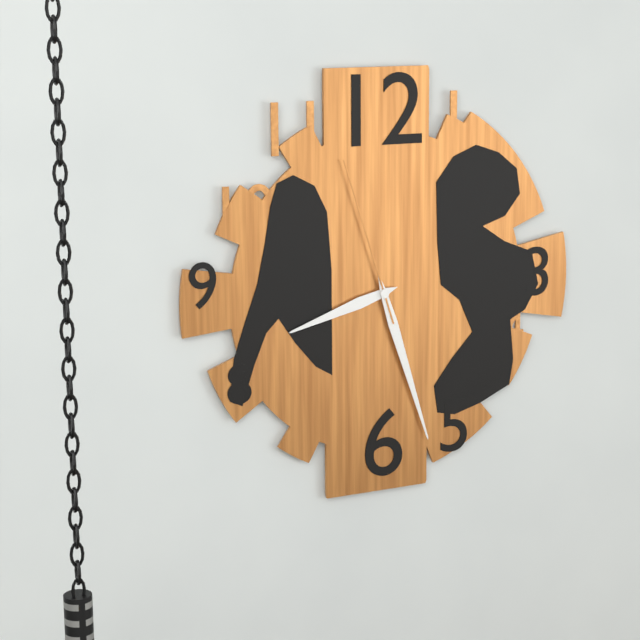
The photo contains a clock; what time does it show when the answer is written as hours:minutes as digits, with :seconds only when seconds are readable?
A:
8:27:57
